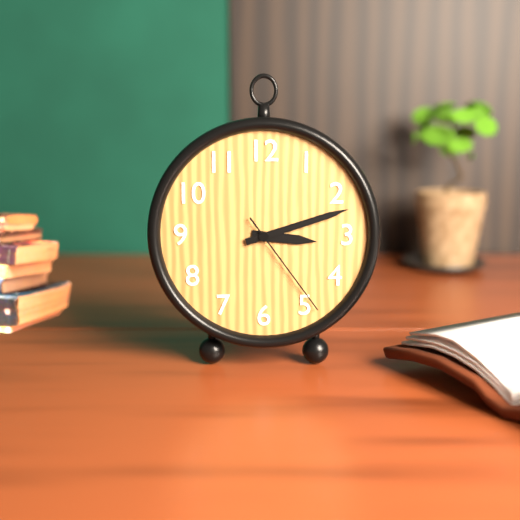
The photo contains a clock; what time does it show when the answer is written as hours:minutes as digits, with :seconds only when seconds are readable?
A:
3:12:24
